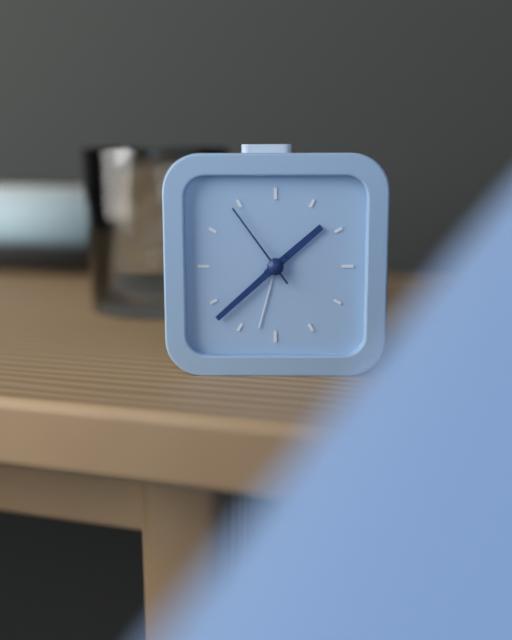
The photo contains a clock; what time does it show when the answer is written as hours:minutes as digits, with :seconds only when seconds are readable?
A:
1:38:54
